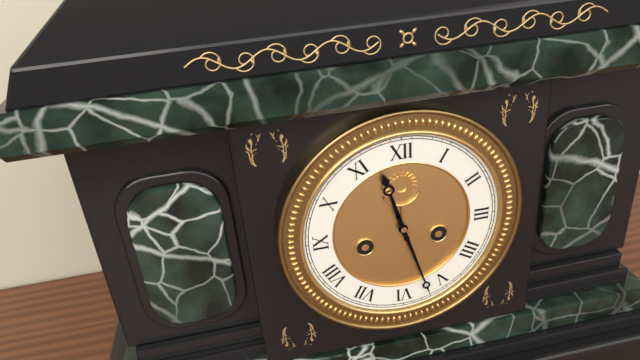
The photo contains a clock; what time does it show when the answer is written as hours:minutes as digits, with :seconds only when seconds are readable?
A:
11:27
